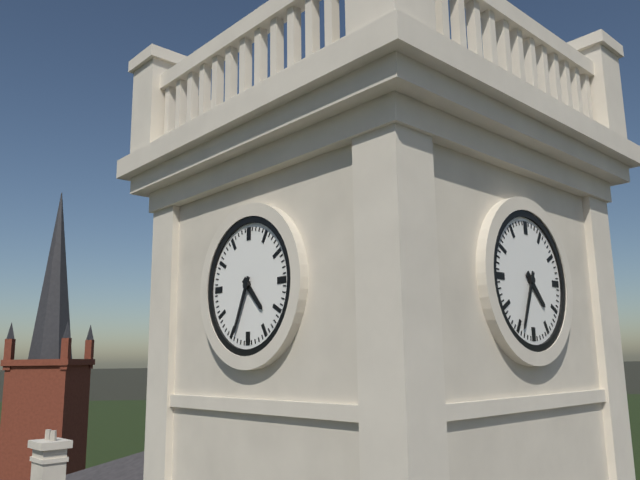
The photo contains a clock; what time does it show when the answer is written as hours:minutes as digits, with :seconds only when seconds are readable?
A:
4:34
